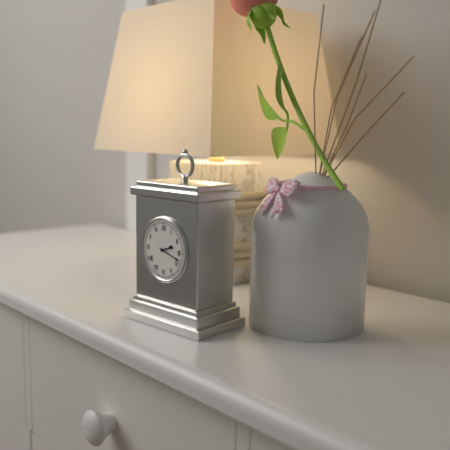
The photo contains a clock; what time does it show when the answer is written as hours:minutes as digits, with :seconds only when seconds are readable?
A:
2:18
